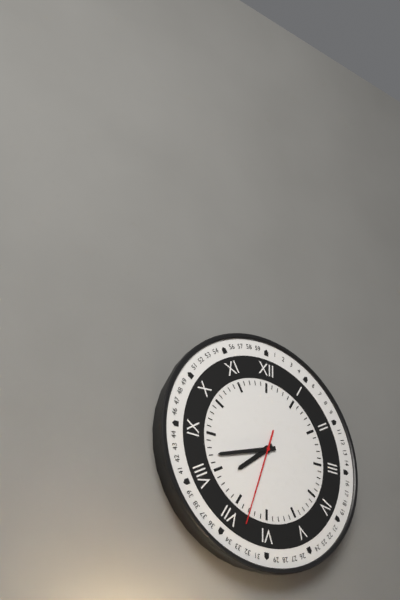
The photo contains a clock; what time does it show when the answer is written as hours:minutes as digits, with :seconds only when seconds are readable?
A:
7:42:33
